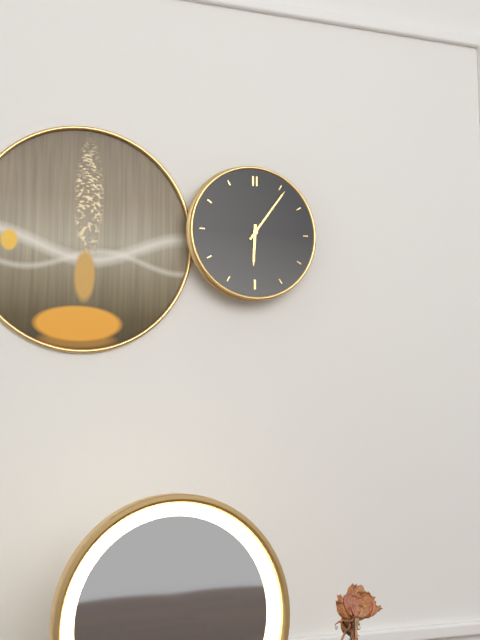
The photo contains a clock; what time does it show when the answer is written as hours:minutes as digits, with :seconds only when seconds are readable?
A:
6:06
